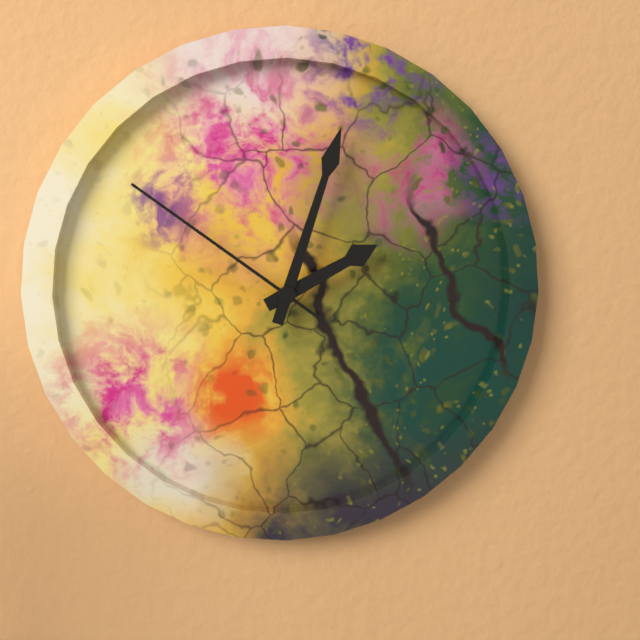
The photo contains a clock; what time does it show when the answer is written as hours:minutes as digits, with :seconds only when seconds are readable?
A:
2:03:51
